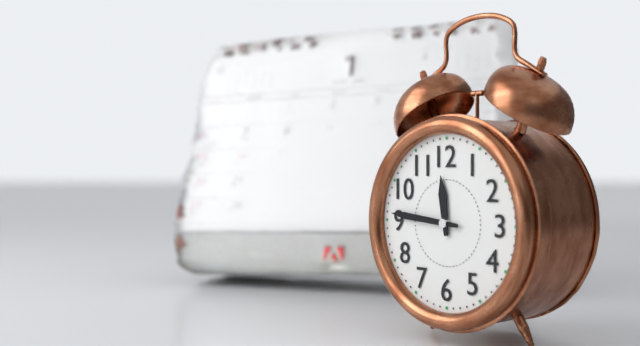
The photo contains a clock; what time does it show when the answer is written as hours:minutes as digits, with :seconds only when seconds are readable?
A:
11:46
